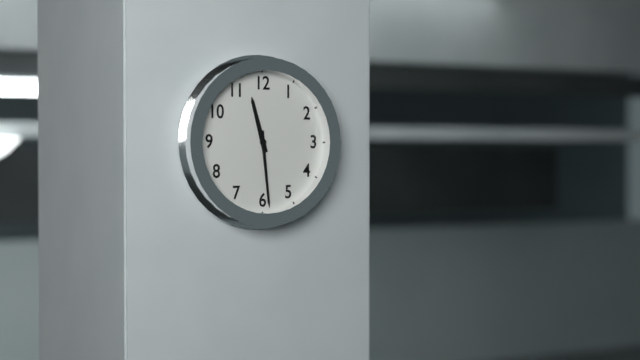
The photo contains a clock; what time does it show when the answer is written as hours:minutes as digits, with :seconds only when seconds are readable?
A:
11:29
